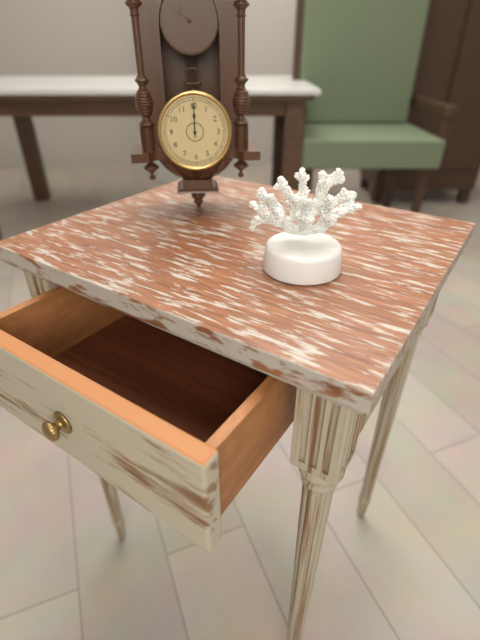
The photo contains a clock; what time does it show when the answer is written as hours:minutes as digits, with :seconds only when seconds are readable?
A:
12:00
